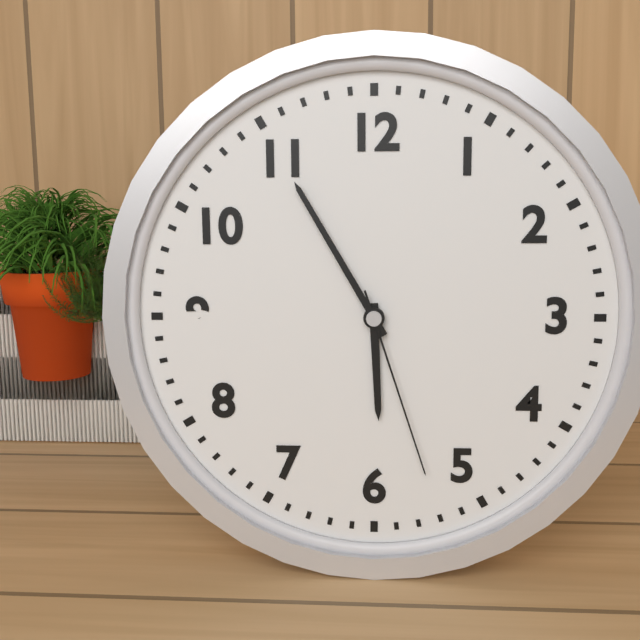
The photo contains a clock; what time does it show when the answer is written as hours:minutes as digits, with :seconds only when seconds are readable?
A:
5:55:27
